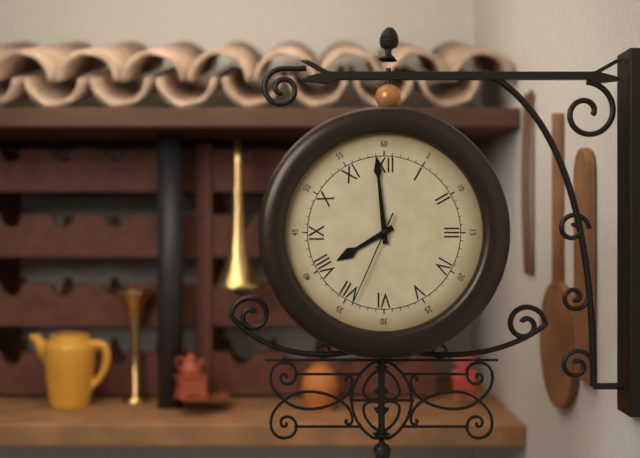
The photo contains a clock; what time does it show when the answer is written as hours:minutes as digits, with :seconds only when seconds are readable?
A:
7:59:34
